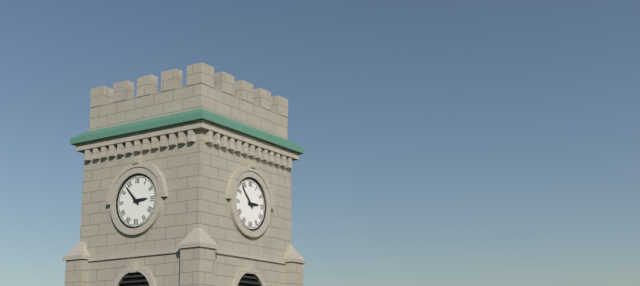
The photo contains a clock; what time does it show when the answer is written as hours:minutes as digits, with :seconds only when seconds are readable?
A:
2:53
